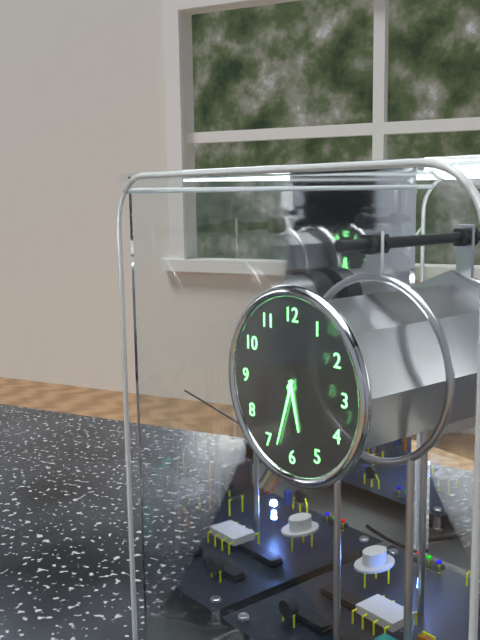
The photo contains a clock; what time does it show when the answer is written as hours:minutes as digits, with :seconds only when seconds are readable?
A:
5:33
